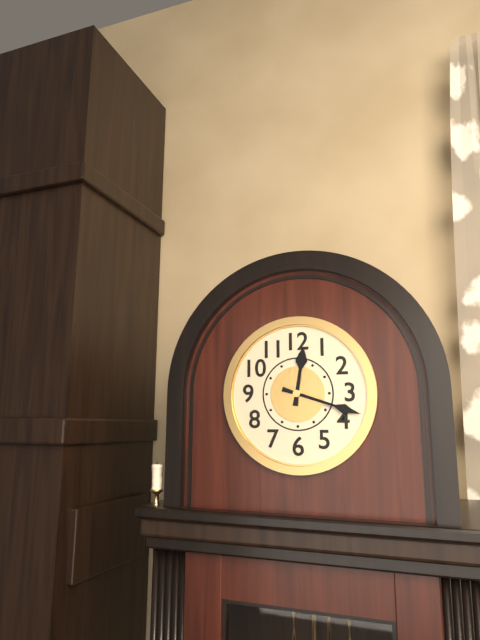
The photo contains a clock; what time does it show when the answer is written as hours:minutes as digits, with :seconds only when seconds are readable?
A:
12:18
